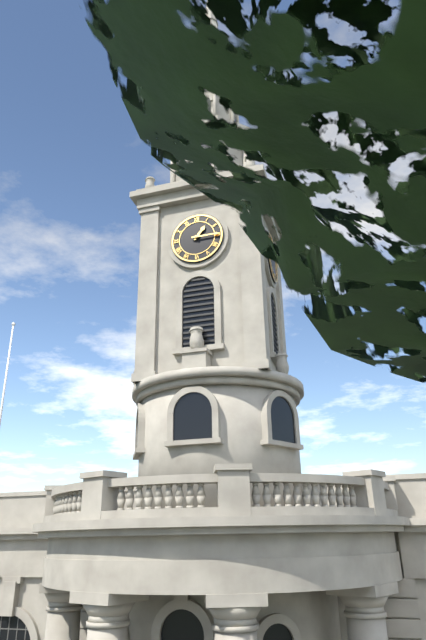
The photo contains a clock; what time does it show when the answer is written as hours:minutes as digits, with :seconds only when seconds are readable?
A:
1:15
